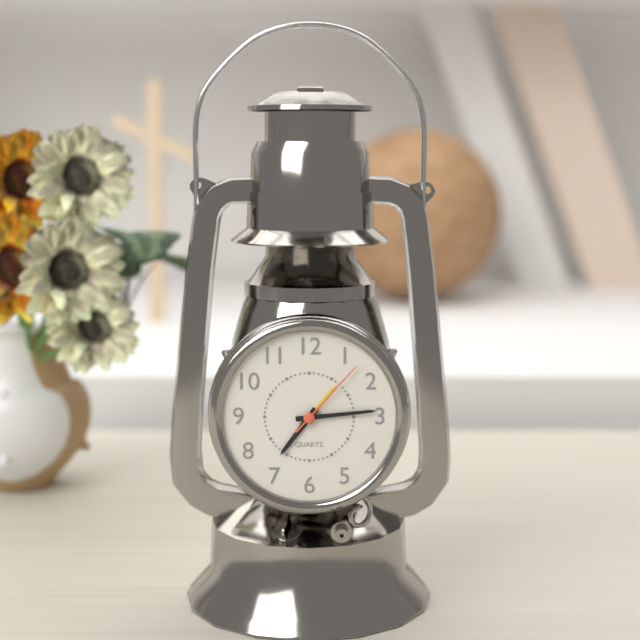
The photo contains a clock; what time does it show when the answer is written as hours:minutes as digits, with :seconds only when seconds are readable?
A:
7:14:07
